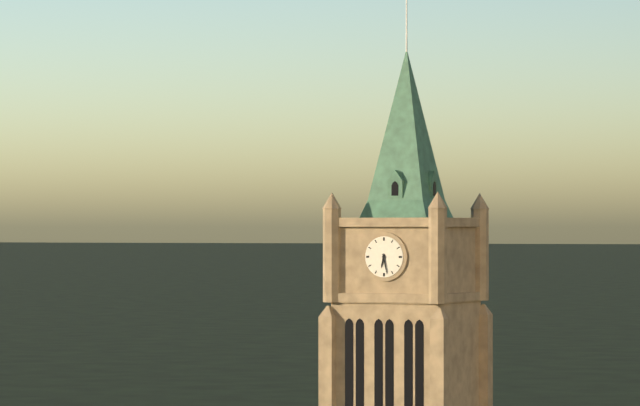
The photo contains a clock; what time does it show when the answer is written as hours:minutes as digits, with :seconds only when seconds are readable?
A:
6:28
